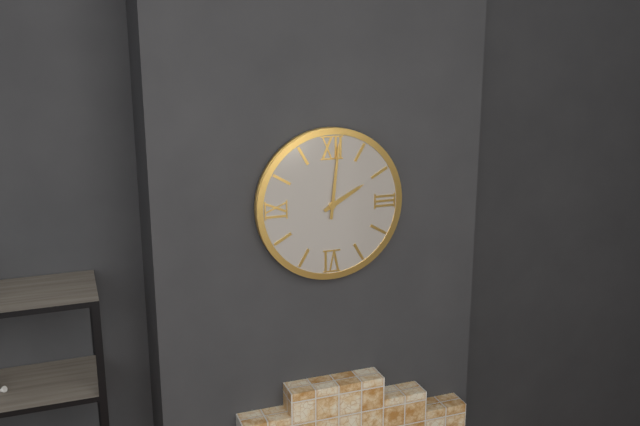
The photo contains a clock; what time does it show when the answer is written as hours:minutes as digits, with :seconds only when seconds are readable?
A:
2:01
